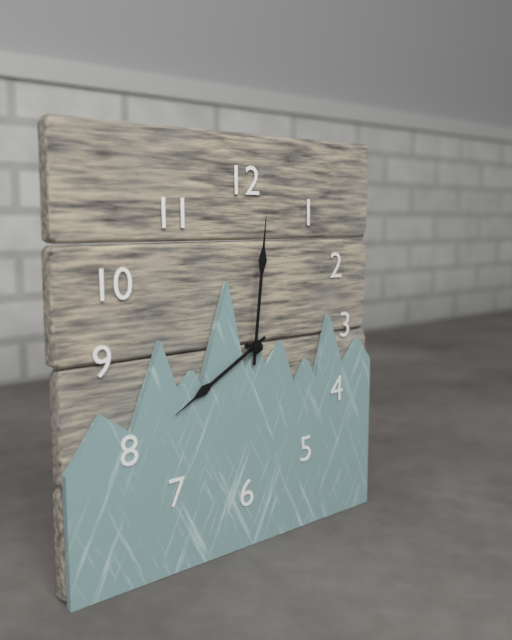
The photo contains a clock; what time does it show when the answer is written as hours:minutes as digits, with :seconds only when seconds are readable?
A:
8:01
